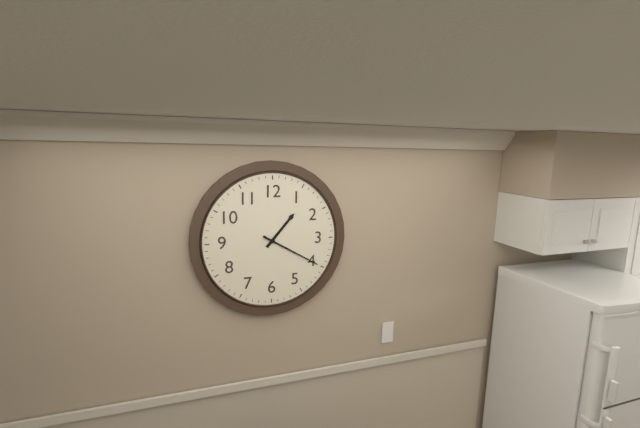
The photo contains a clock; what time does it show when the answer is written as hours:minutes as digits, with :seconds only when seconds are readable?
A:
1:20
